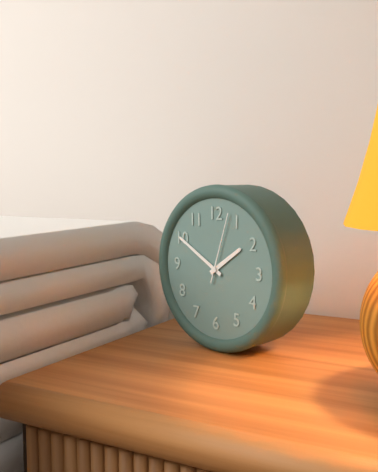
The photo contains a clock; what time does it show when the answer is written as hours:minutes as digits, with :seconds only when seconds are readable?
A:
1:50:03
